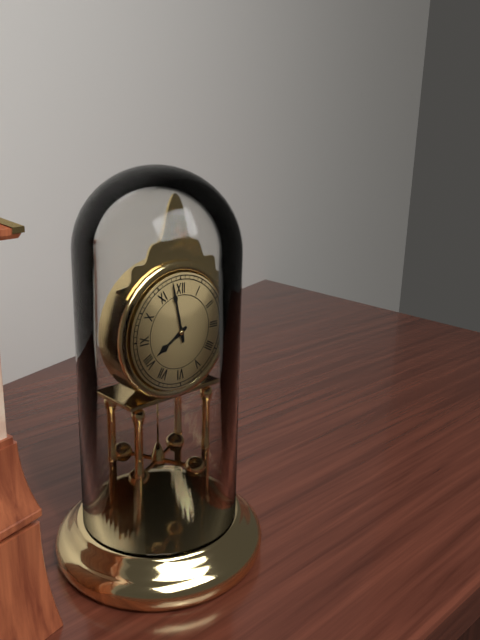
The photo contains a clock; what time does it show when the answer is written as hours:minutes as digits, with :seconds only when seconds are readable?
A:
7:58
